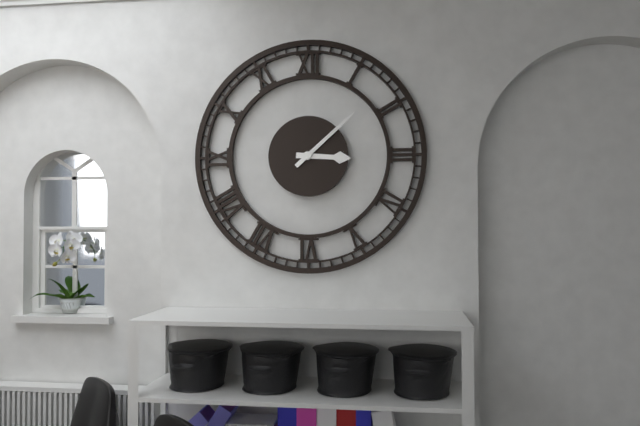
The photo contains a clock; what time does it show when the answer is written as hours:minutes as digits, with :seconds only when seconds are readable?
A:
3:08
